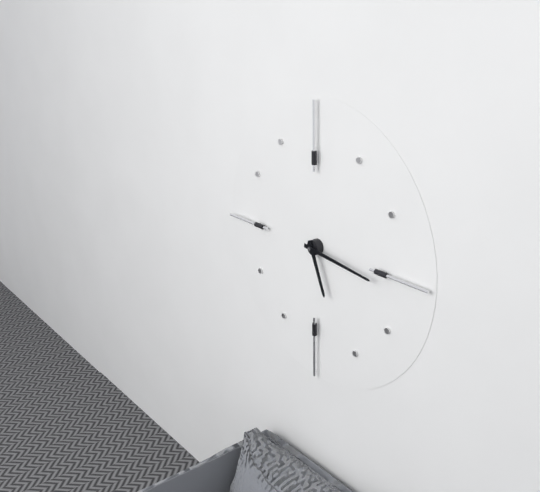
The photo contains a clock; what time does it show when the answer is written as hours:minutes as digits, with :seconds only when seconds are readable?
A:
5:16
